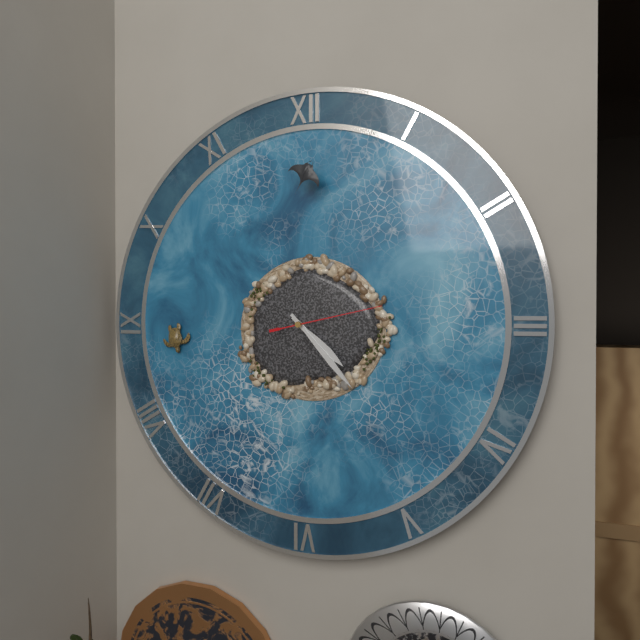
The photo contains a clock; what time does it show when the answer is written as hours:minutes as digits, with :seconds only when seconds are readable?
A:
4:23:13
